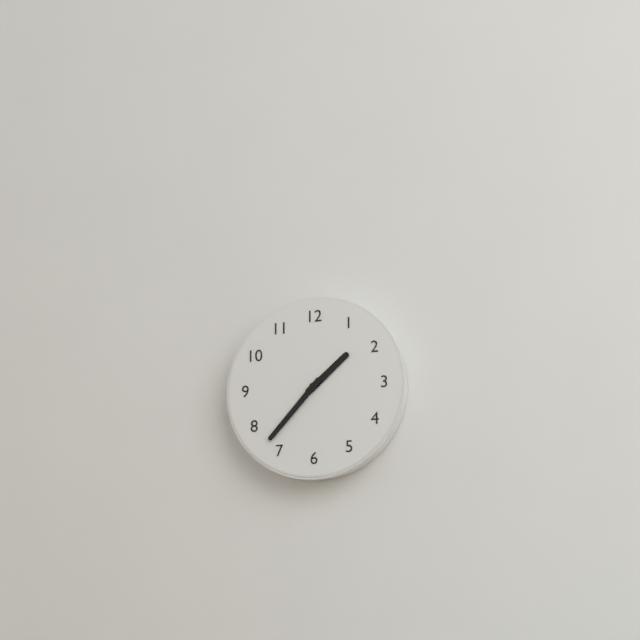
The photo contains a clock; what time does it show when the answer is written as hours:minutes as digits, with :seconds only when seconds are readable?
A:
1:37
